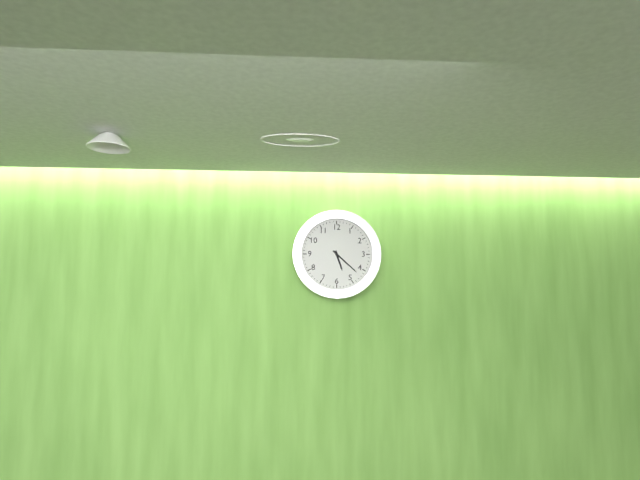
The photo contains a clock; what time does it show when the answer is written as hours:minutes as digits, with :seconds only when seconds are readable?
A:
5:22
